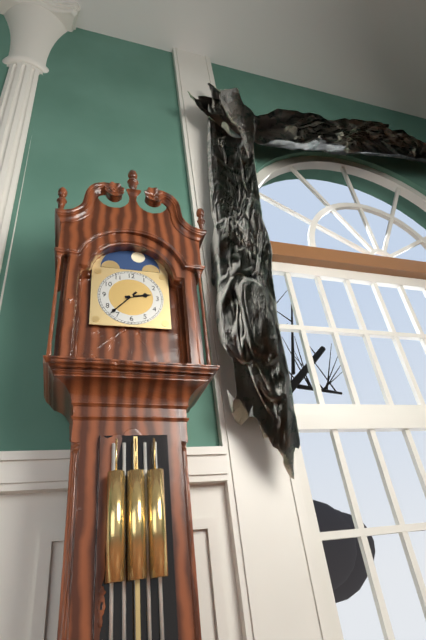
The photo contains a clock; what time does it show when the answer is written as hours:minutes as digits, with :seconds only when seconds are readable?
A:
2:37
